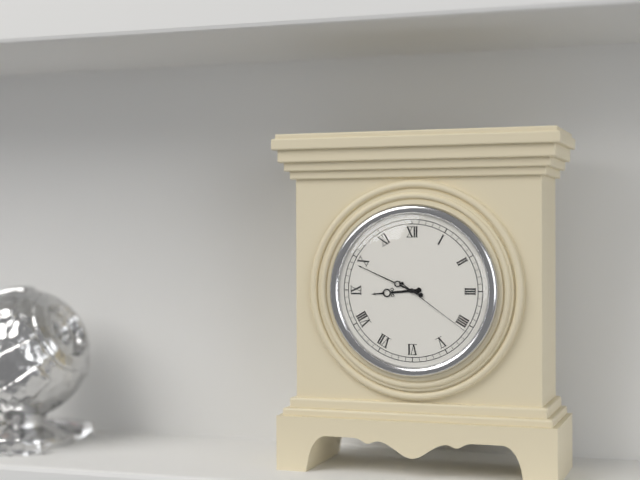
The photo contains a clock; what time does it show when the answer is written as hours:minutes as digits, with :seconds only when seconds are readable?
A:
8:49:21
